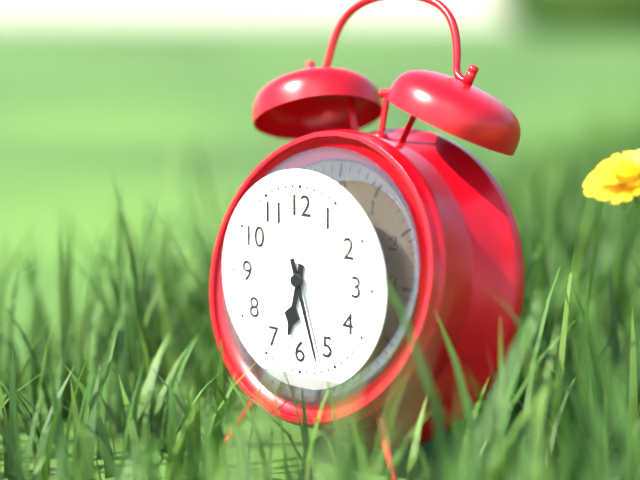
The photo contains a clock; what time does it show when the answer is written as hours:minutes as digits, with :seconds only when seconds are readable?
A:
6:27
